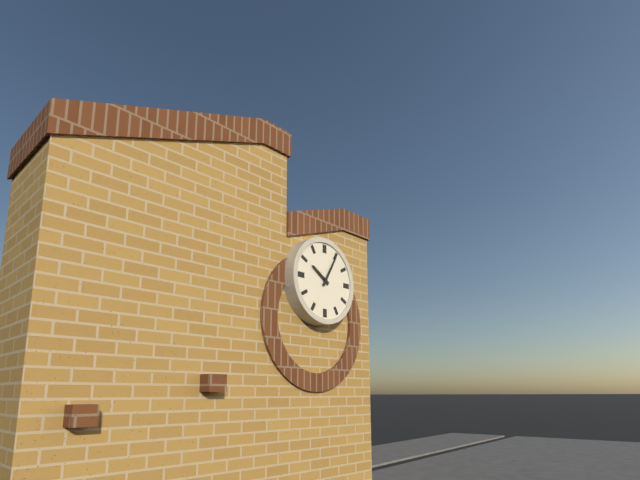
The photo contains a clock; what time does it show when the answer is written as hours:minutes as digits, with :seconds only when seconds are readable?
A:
10:05
